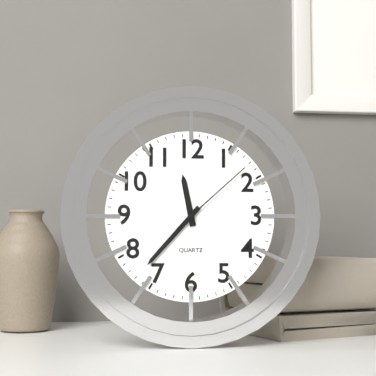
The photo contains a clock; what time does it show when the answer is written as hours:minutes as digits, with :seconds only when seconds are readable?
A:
11:37:08
